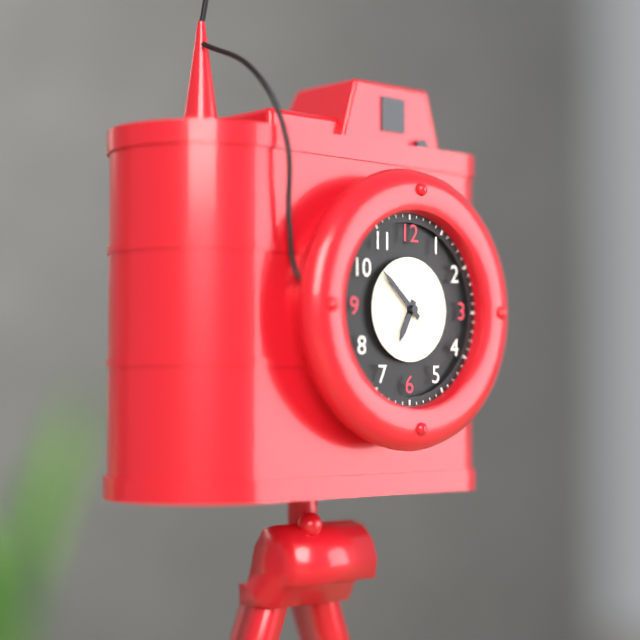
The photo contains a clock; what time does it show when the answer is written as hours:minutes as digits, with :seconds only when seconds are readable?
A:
6:52
